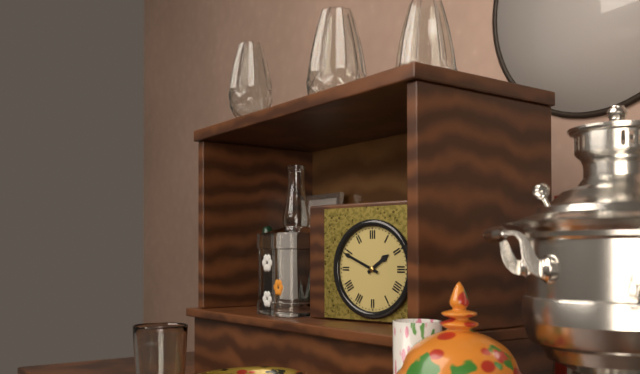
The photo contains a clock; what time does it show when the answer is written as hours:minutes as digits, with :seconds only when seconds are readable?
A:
1:49
